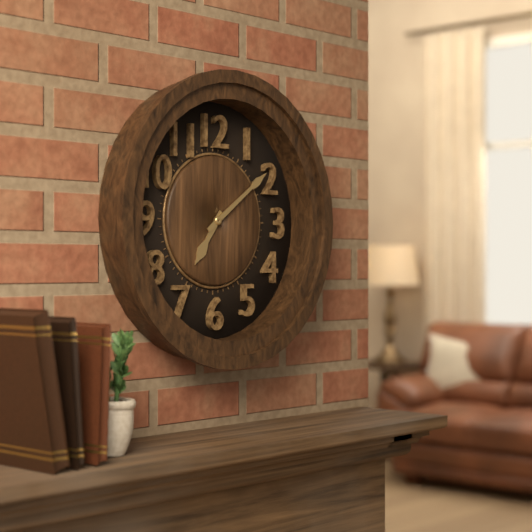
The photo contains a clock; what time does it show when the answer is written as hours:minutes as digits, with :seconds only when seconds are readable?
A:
7:09
